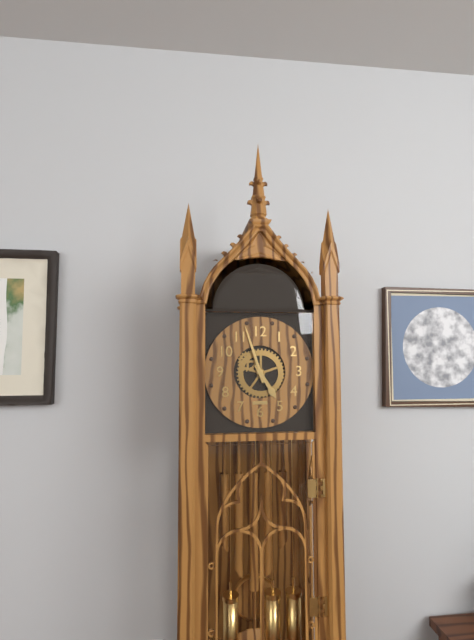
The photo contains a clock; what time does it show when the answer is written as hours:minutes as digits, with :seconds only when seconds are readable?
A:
4:57
